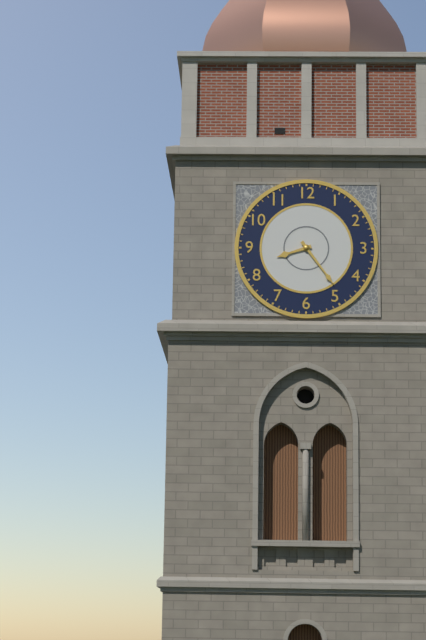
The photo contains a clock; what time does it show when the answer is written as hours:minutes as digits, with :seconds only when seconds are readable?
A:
8:24
